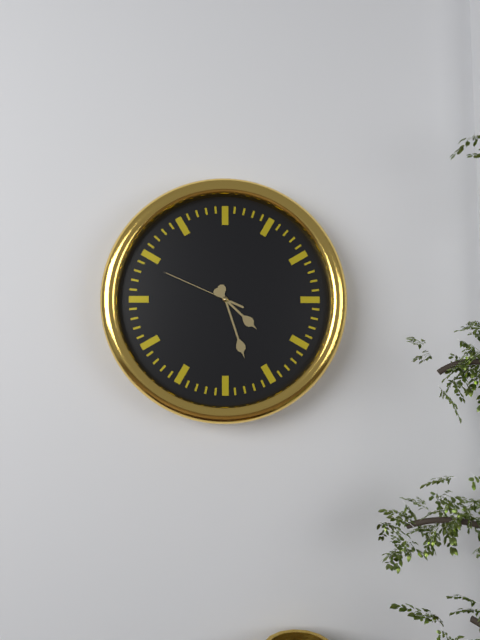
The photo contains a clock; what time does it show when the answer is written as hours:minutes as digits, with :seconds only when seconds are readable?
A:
4:27:49
